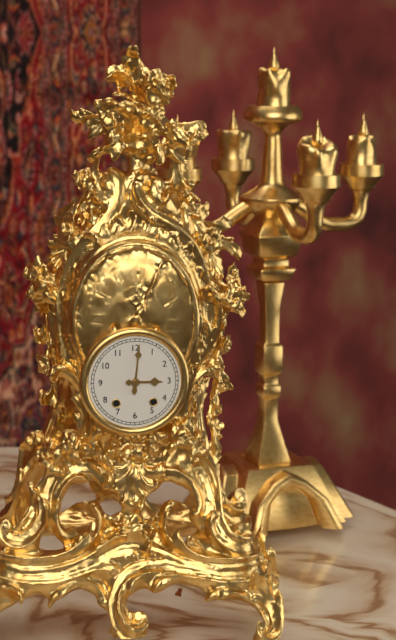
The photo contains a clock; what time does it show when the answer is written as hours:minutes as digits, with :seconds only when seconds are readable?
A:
3:01
